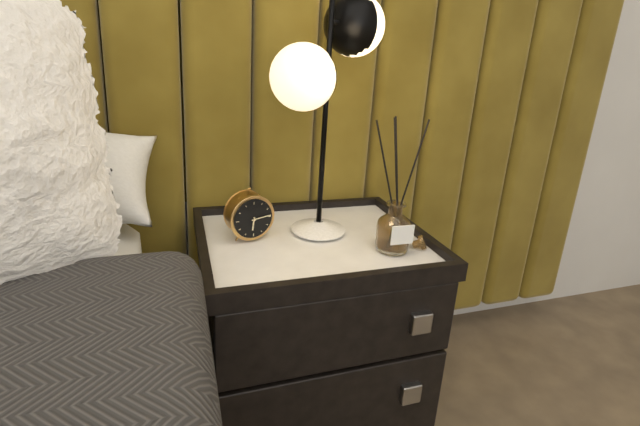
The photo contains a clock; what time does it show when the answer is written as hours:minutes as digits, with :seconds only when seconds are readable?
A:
6:14
